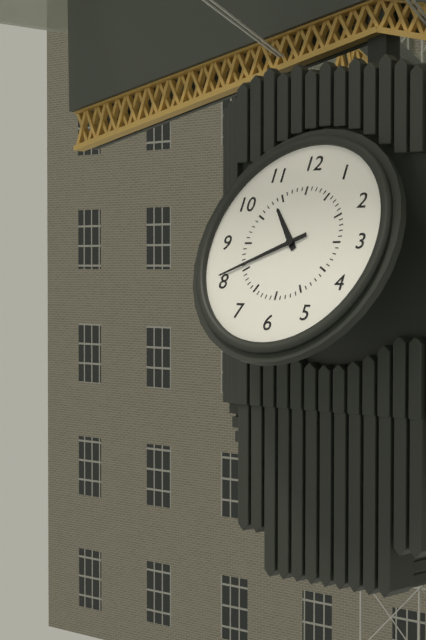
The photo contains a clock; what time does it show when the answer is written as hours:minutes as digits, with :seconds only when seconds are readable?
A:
10:41
